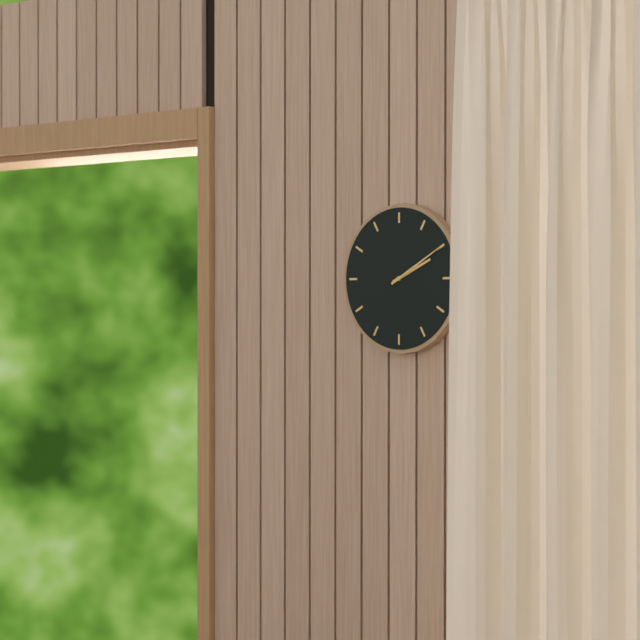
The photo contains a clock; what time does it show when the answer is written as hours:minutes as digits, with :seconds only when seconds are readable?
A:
2:10
